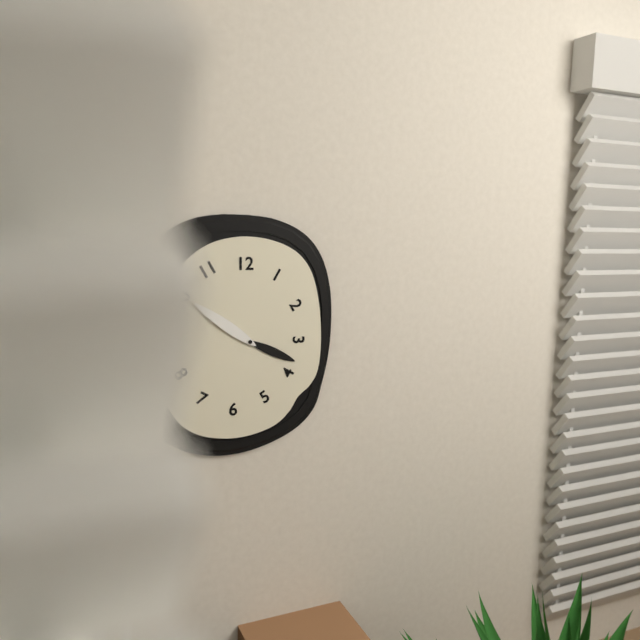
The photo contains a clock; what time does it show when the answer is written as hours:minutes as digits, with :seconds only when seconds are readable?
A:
3:51
